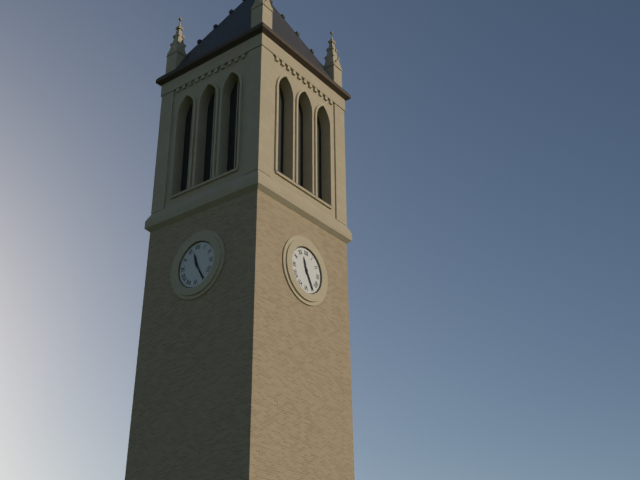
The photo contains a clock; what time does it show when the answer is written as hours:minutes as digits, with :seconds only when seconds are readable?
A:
11:25
